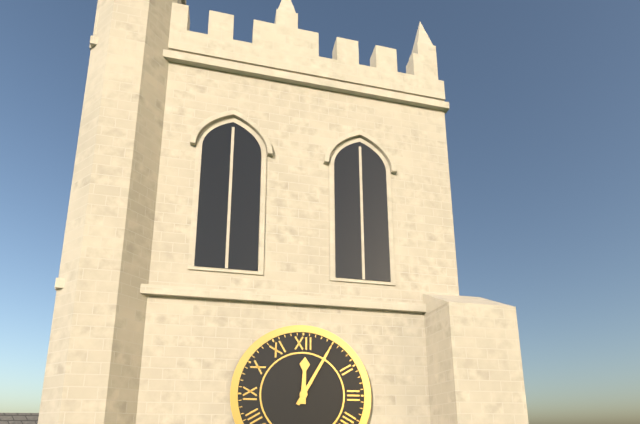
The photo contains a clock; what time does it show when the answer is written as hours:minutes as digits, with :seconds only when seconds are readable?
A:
12:05
